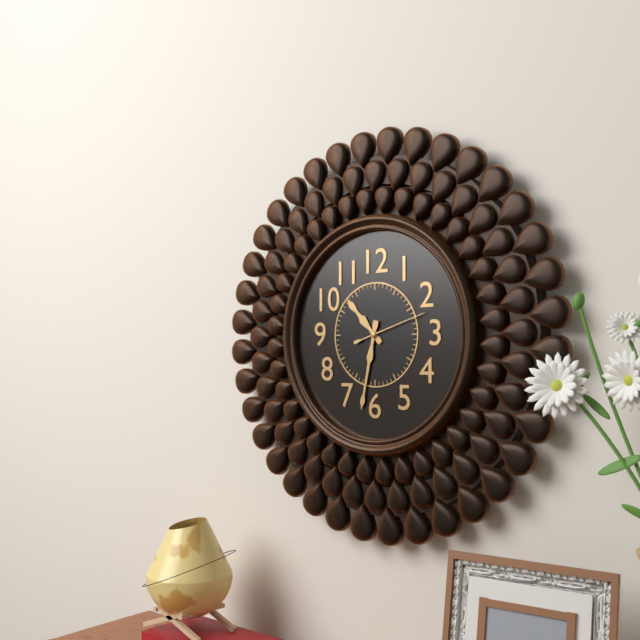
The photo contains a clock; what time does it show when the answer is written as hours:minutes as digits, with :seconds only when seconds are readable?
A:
10:32:12
